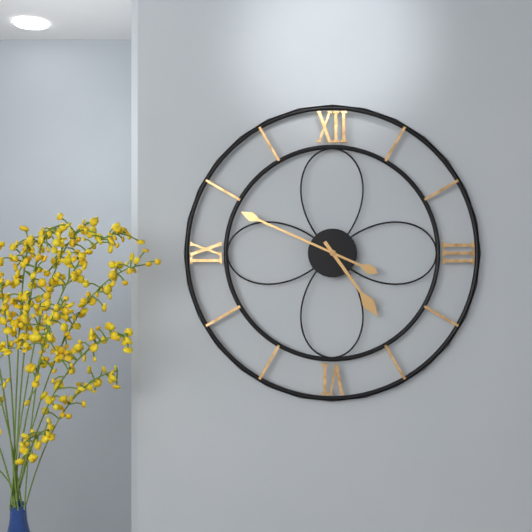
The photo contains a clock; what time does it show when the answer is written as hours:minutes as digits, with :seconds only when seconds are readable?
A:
4:49
